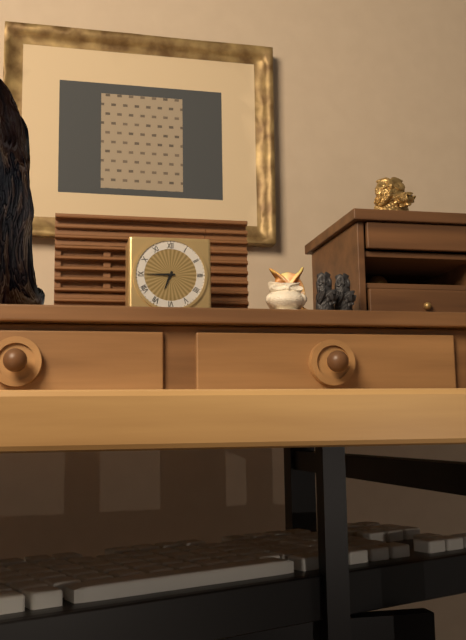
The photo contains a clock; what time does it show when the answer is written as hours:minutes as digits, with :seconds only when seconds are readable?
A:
6:45
